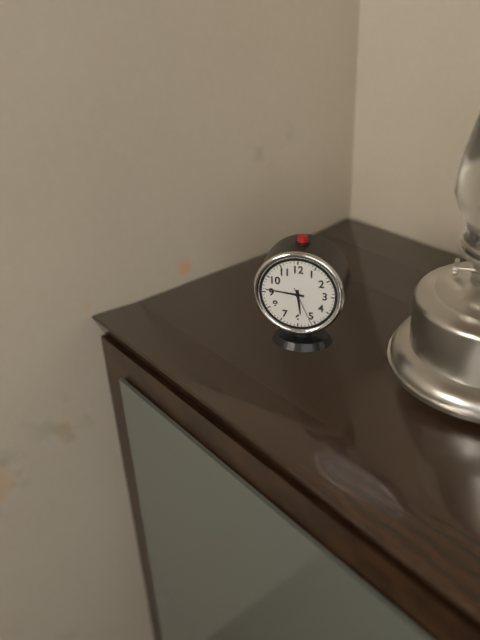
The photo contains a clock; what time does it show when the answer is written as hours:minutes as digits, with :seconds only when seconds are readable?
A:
5:46:26
